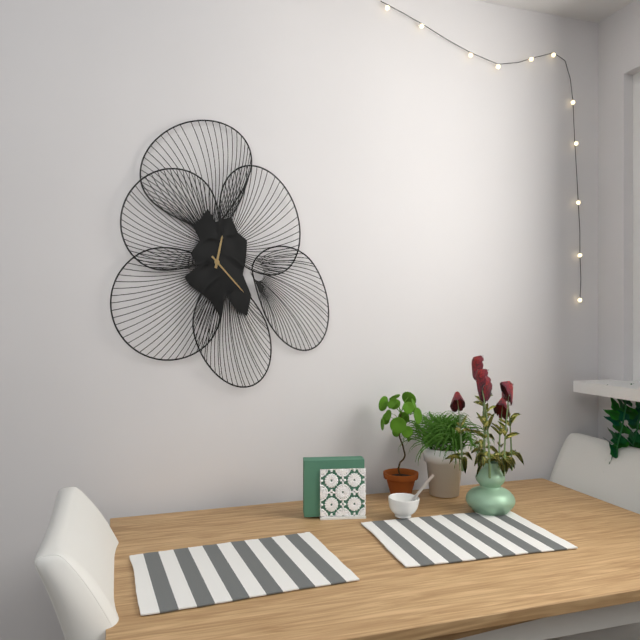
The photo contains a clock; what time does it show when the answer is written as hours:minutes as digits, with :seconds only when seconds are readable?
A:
12:23
